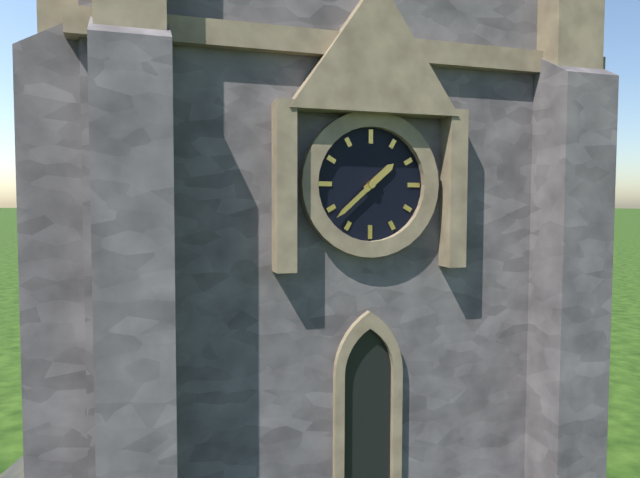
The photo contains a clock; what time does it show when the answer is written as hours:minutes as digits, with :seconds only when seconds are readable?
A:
1:38
